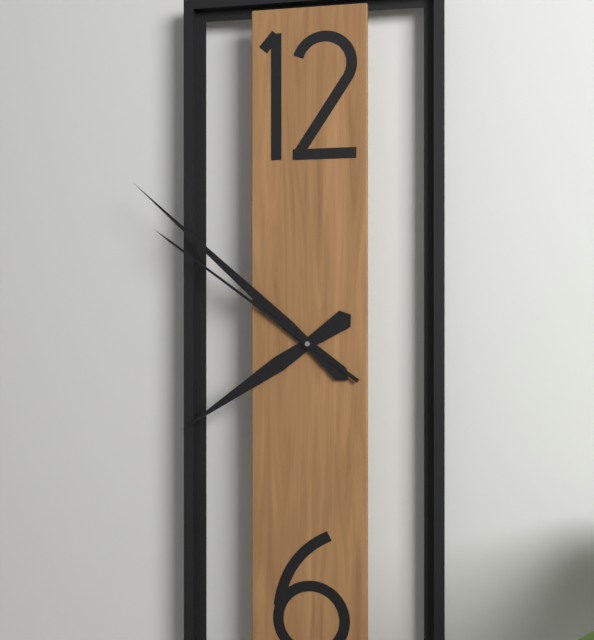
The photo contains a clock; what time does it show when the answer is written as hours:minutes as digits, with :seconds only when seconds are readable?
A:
7:52:51
